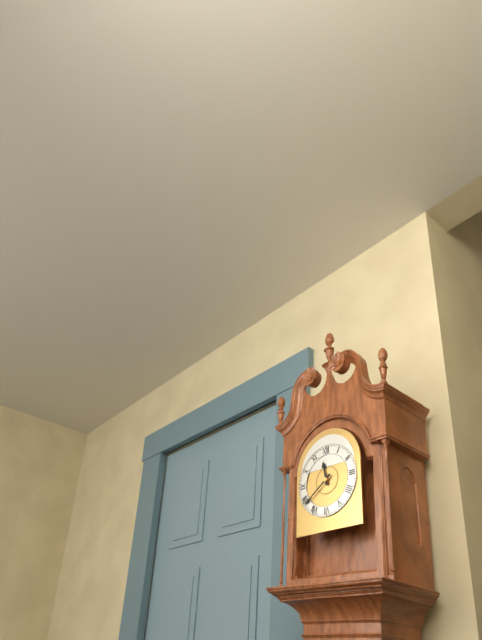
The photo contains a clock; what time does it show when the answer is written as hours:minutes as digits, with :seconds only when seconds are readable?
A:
11:39
